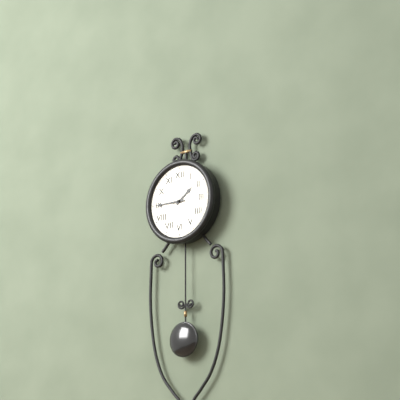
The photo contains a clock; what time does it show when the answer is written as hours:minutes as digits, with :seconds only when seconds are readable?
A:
1:45
